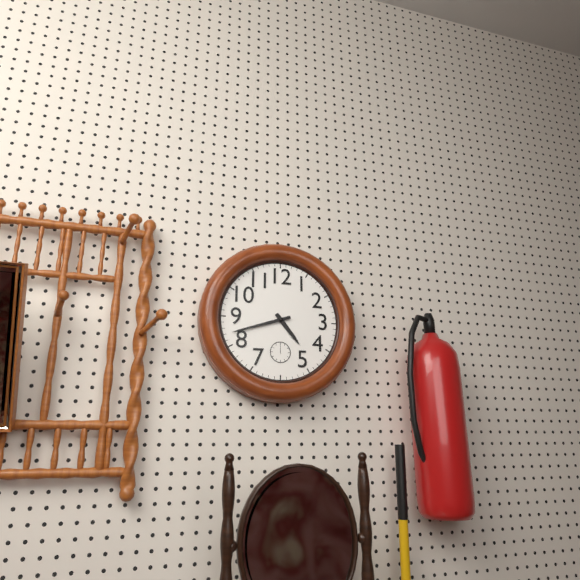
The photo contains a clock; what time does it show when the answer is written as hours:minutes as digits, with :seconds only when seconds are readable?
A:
4:42
